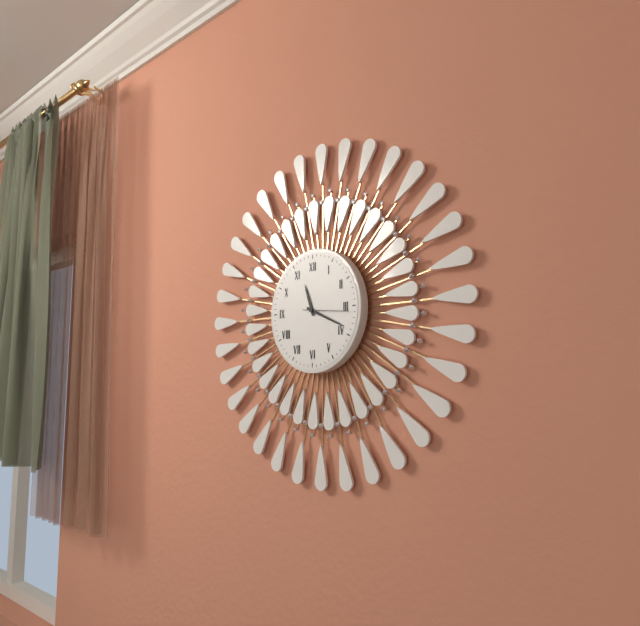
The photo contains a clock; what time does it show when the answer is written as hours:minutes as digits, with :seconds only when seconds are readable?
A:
11:19
